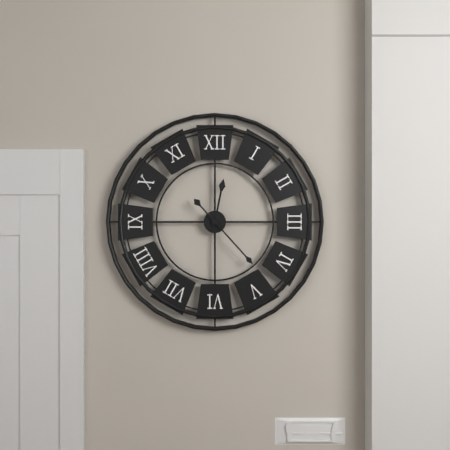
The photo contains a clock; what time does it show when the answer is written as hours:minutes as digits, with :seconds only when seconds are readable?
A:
12:23
